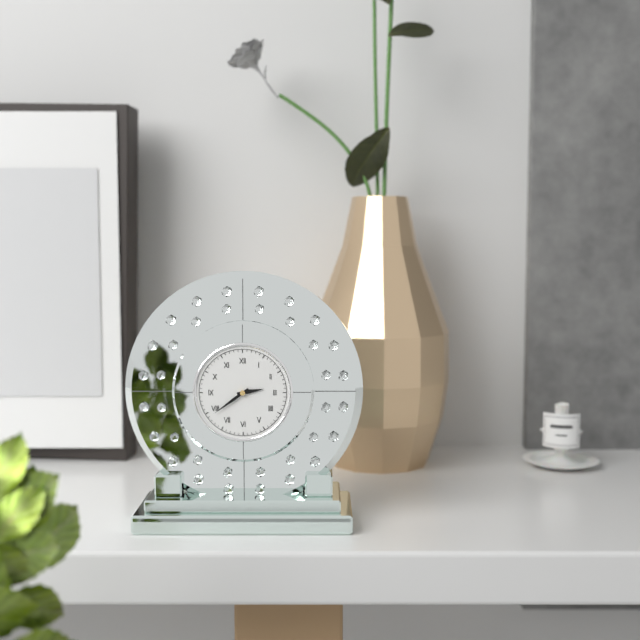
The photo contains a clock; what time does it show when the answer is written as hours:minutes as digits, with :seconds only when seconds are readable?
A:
2:39
